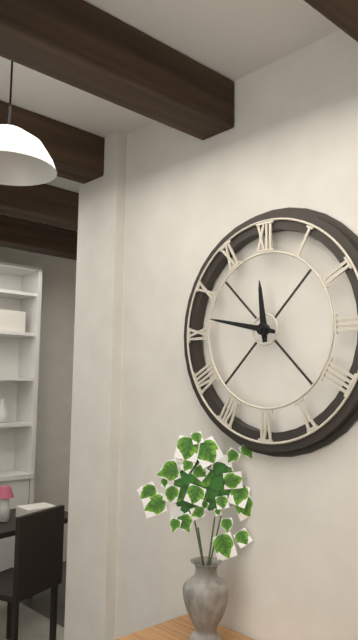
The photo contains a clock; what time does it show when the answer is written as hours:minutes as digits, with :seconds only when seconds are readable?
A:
11:47
